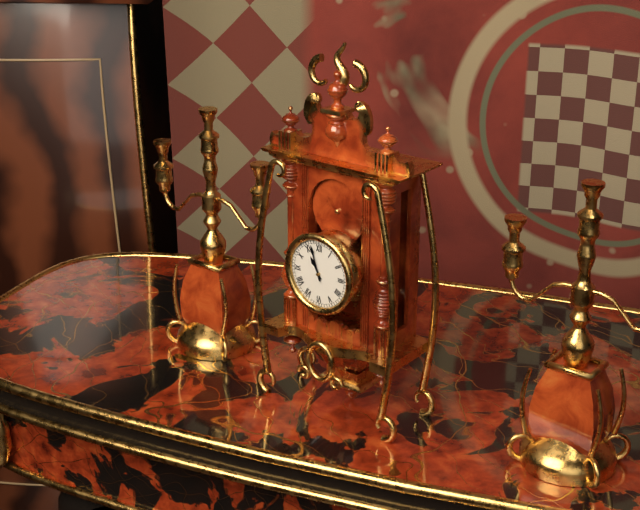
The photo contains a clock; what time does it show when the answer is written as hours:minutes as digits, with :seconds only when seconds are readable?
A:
10:57
